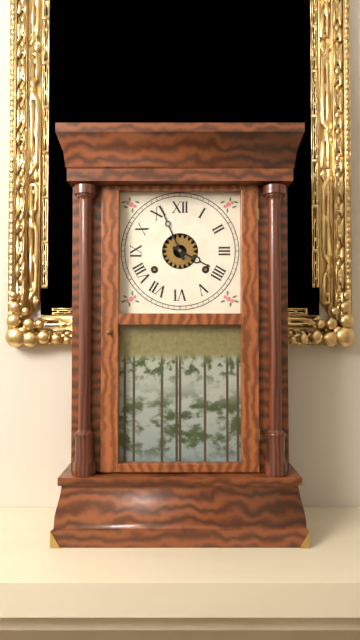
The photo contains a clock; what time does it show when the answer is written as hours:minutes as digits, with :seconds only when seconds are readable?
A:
3:56
